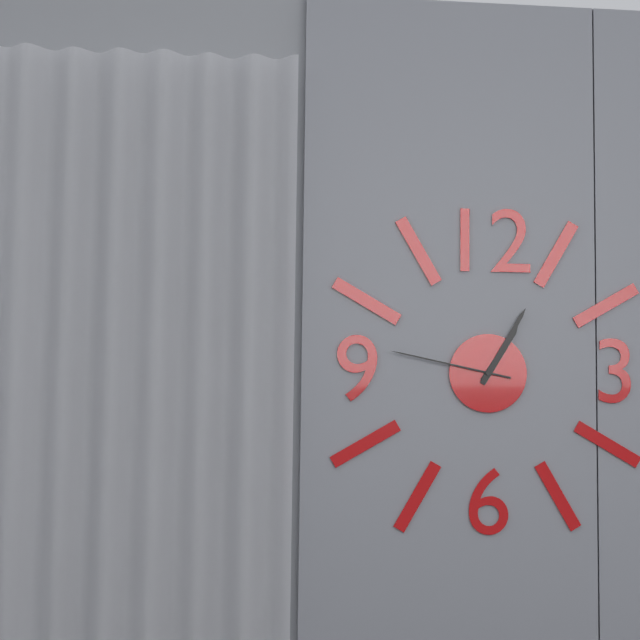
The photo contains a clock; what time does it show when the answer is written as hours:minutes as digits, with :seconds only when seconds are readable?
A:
1:05:47
